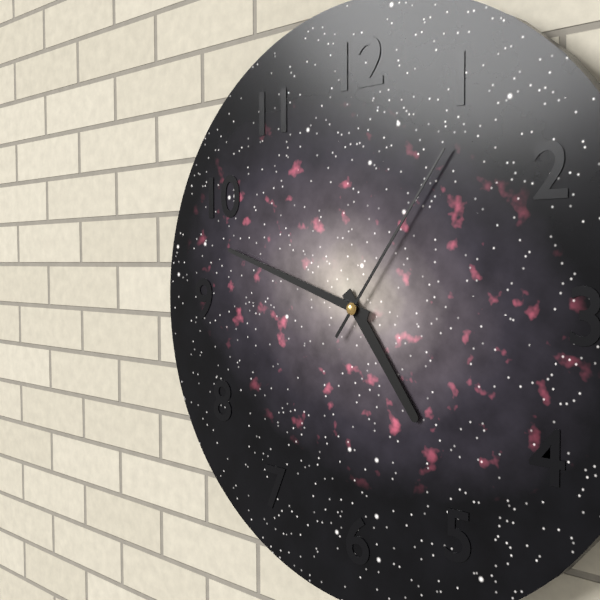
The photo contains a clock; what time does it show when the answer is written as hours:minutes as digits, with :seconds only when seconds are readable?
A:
4:48:06
